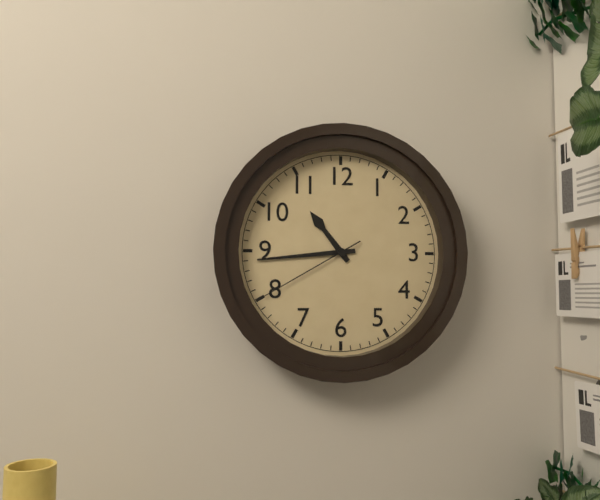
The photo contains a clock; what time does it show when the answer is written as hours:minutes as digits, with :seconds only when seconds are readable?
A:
10:44:40
